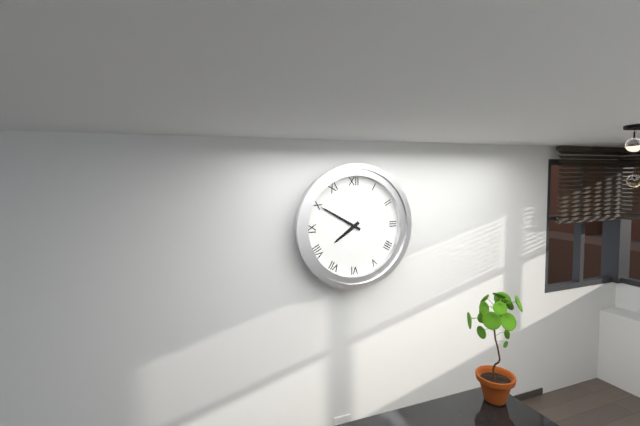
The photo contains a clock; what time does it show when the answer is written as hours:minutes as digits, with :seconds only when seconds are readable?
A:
7:50
